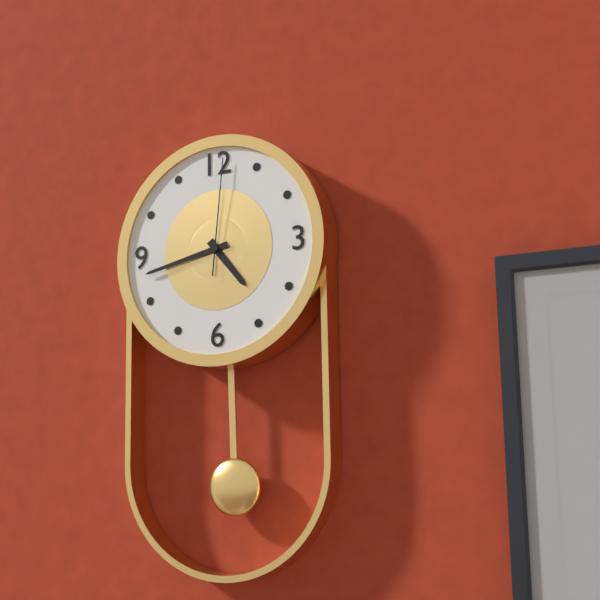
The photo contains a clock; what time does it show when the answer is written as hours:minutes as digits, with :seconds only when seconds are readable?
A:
4:43:01
